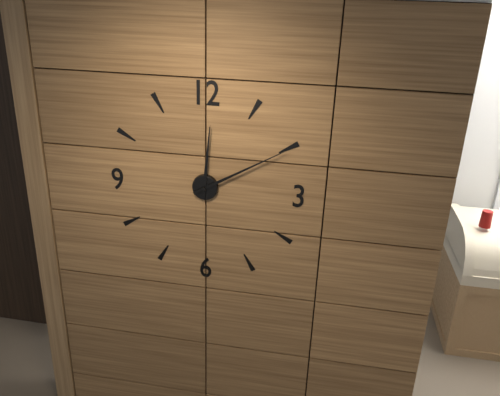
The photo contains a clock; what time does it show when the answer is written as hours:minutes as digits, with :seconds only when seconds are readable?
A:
12:10
